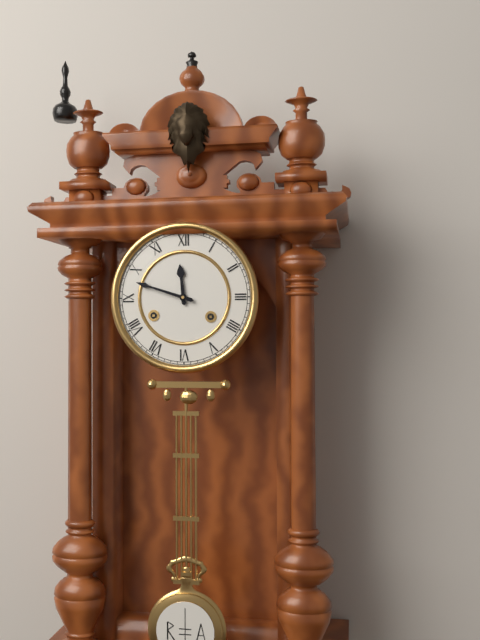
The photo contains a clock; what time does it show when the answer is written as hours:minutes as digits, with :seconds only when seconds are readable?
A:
11:48
